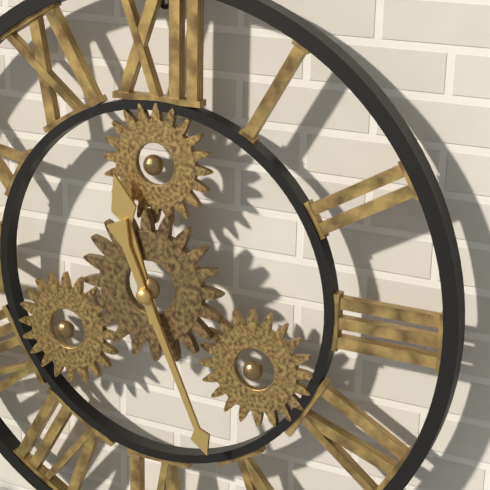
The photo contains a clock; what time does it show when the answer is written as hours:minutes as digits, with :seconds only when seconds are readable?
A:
11:26
